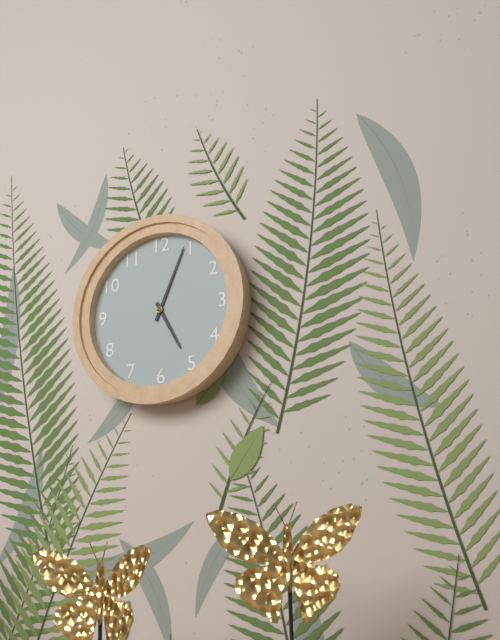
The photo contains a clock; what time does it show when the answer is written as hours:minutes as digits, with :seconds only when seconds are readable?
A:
5:04
